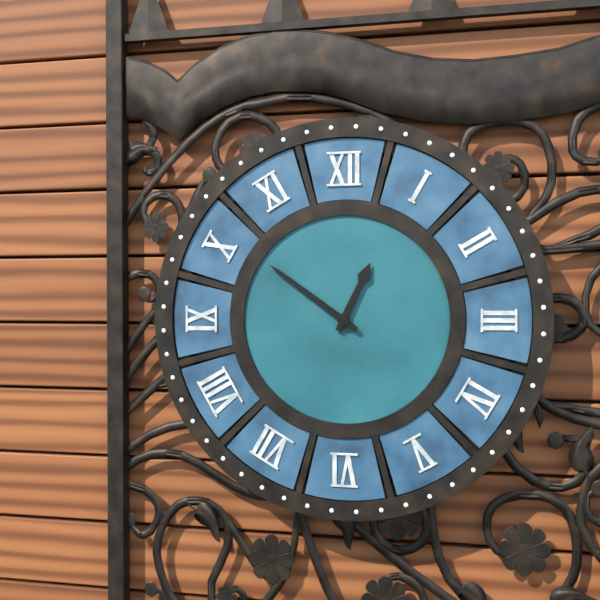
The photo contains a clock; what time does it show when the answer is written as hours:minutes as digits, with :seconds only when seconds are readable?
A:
12:51
